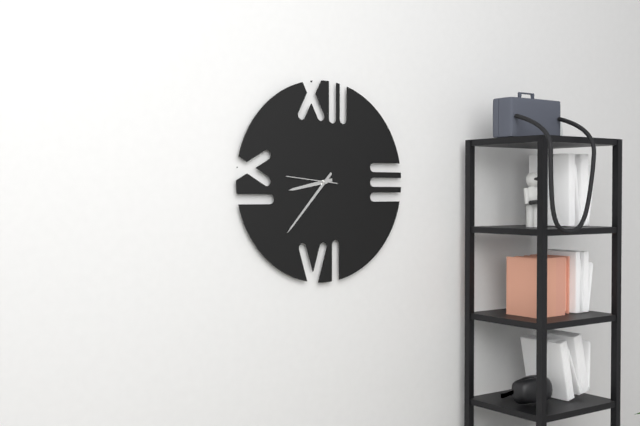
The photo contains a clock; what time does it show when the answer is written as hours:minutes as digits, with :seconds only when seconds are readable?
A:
8:37
